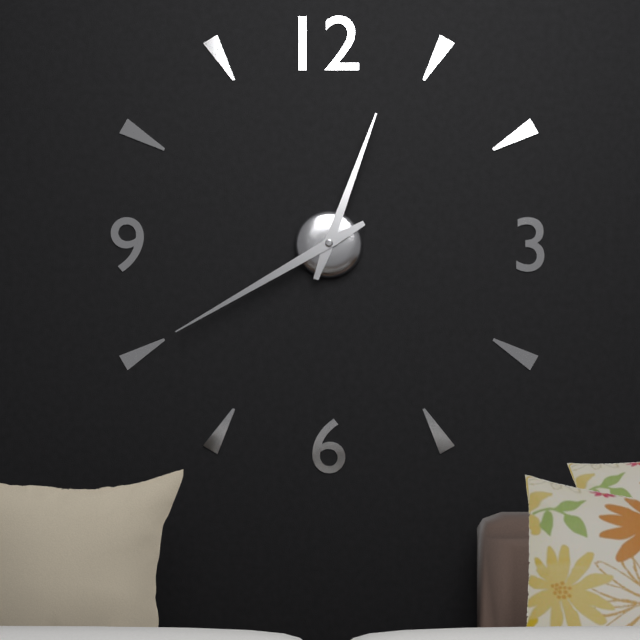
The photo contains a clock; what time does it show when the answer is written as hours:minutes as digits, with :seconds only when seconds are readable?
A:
12:40
